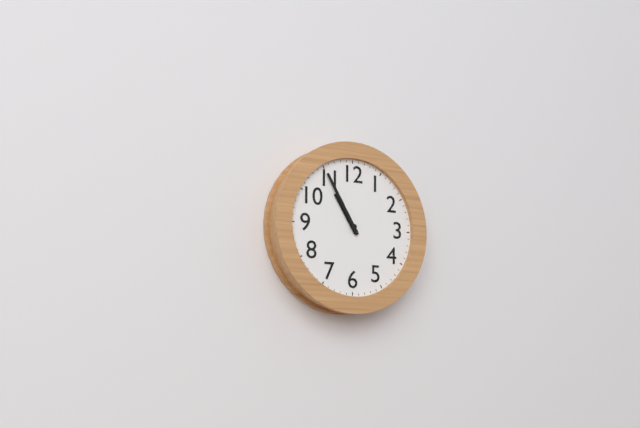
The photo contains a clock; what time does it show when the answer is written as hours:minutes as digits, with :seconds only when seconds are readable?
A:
10:55
